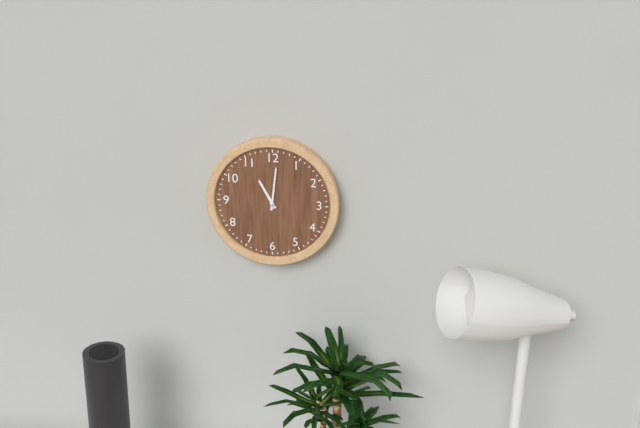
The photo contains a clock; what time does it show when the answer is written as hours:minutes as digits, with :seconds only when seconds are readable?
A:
11:01
